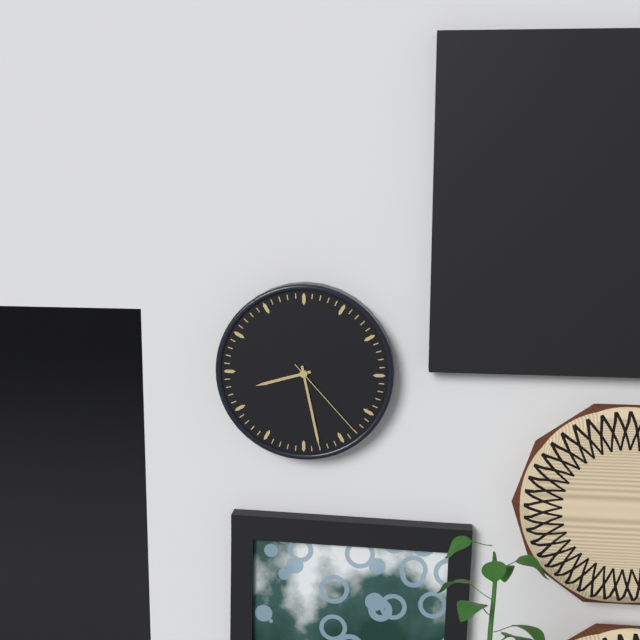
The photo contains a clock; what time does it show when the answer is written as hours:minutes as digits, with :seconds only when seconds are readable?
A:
8:28:23
